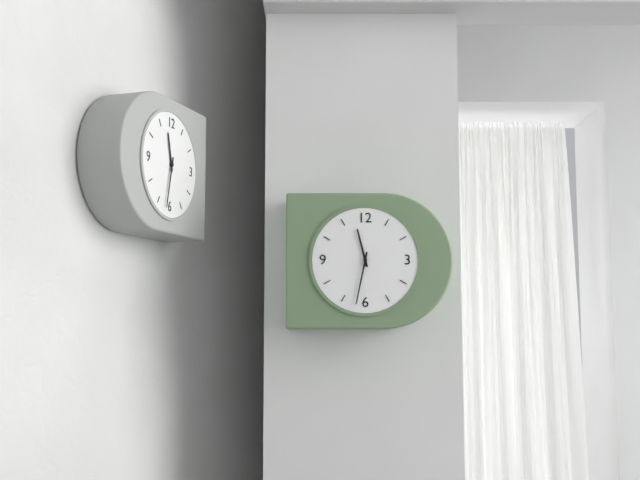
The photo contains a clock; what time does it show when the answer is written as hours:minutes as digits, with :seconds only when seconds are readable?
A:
11:32
